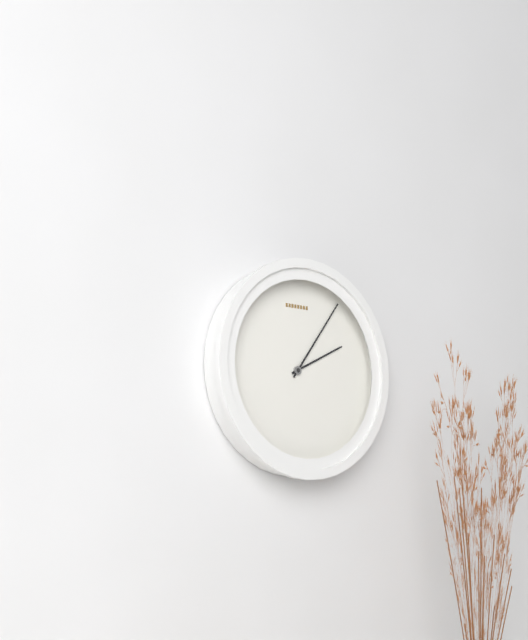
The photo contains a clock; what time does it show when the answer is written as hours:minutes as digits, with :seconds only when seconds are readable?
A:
2:06
